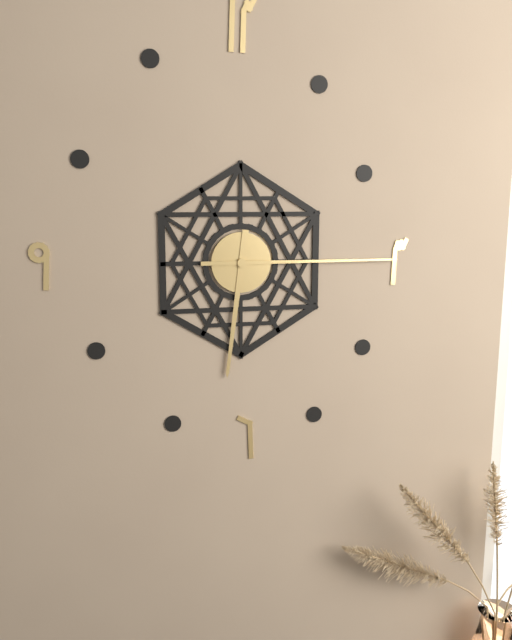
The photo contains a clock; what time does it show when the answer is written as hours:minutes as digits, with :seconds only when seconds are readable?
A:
6:15
